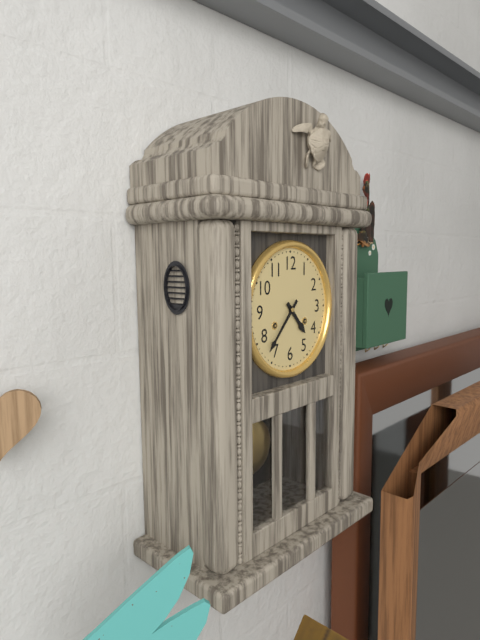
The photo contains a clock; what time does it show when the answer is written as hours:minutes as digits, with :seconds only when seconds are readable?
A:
4:37
